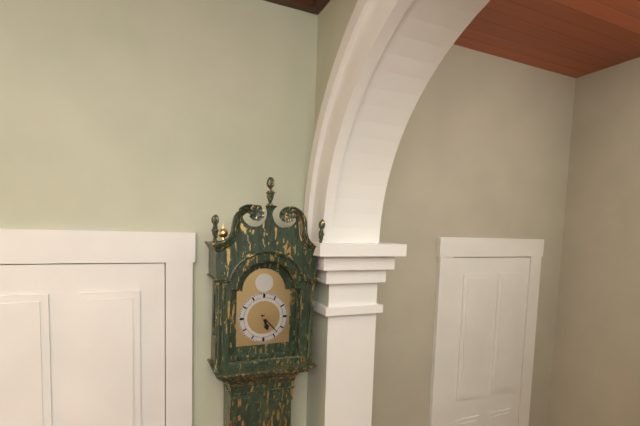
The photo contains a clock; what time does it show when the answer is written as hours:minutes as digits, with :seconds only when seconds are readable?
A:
5:23
